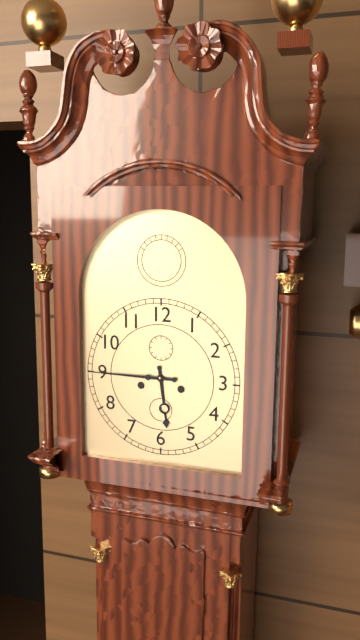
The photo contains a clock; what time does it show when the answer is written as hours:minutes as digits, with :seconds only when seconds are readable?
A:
5:45
